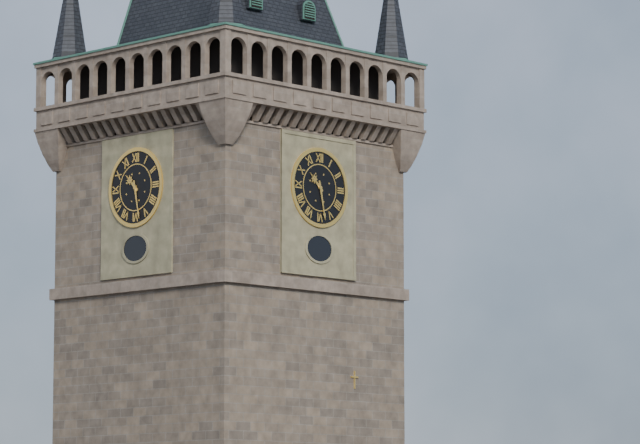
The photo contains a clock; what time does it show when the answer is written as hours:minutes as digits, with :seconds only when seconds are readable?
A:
10:28
